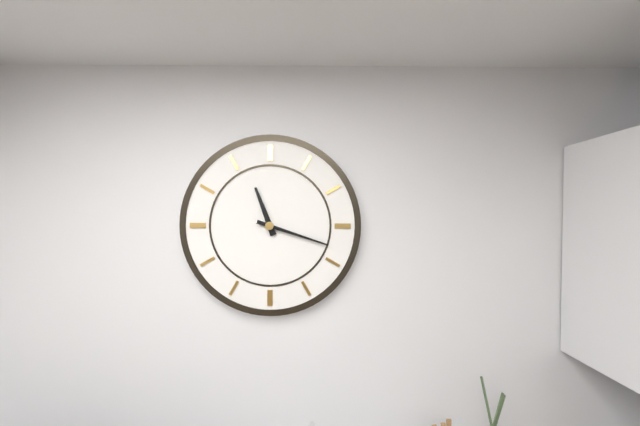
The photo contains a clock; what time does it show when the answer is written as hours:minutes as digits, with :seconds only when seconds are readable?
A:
11:18
